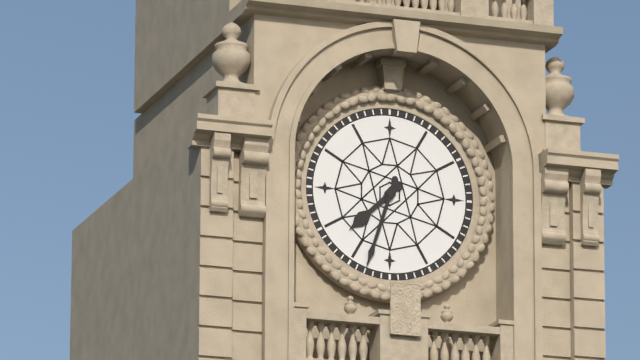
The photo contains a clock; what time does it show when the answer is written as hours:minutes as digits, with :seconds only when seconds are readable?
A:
7:33
